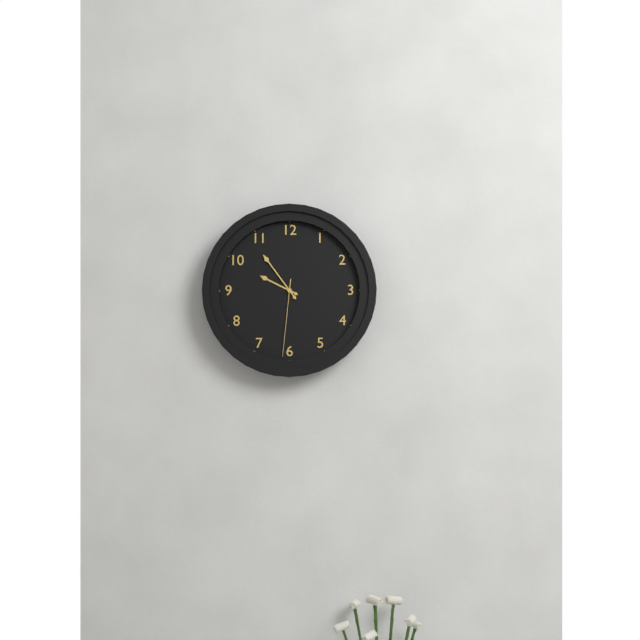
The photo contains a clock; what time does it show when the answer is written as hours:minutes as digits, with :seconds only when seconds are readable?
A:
9:54:31
